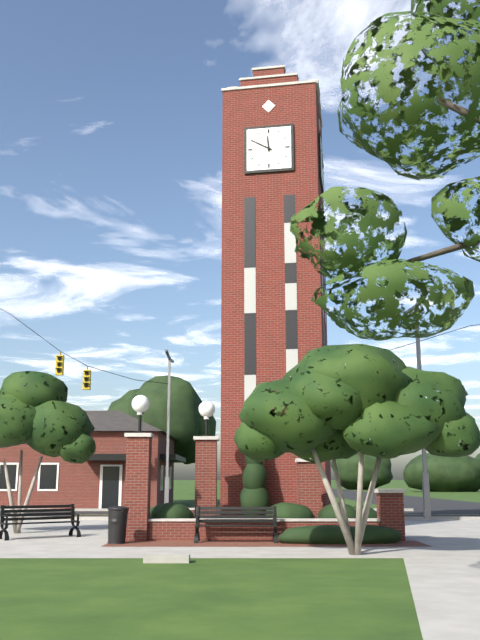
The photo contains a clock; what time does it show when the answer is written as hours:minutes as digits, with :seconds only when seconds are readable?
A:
11:50
